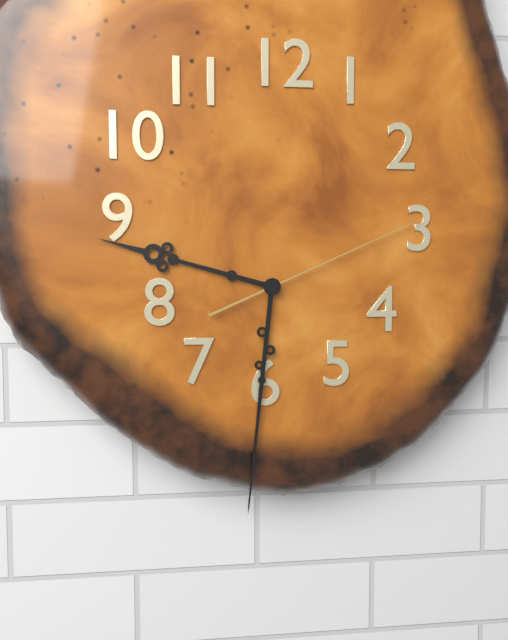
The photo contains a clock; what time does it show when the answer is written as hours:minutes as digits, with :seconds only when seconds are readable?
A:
9:31:11
